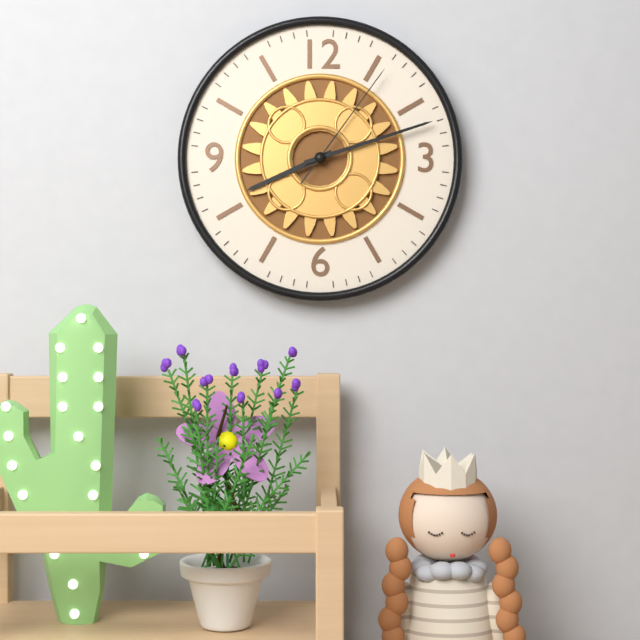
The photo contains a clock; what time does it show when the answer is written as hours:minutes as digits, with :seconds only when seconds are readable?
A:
8:12:06
